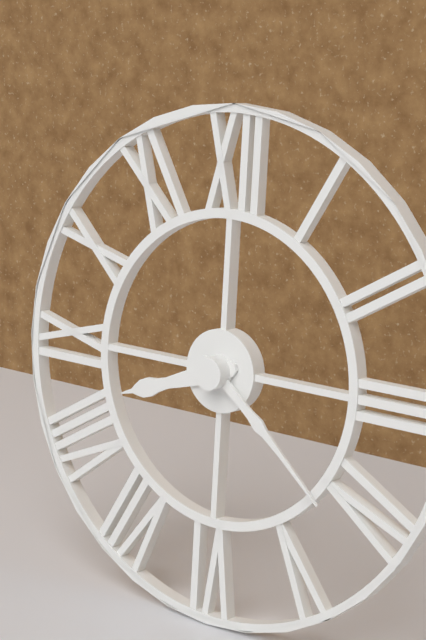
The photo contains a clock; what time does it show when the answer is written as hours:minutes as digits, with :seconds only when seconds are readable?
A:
8:21
